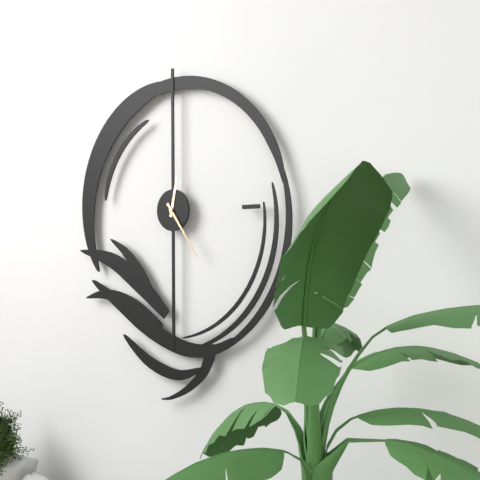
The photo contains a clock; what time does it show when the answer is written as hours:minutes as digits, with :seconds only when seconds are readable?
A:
12:24
